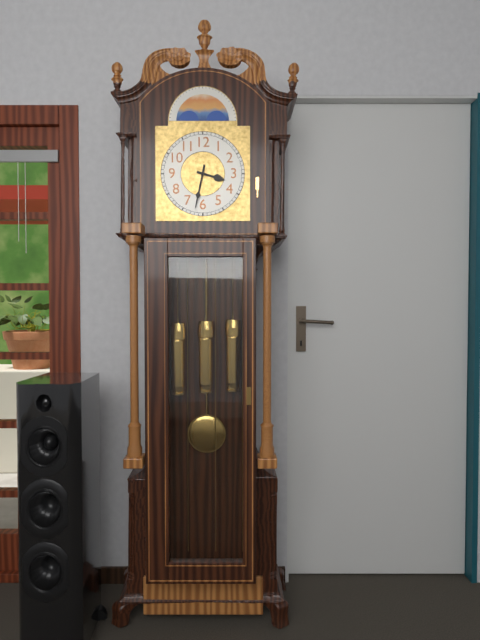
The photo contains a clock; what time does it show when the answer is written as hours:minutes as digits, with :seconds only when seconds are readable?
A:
3:32
